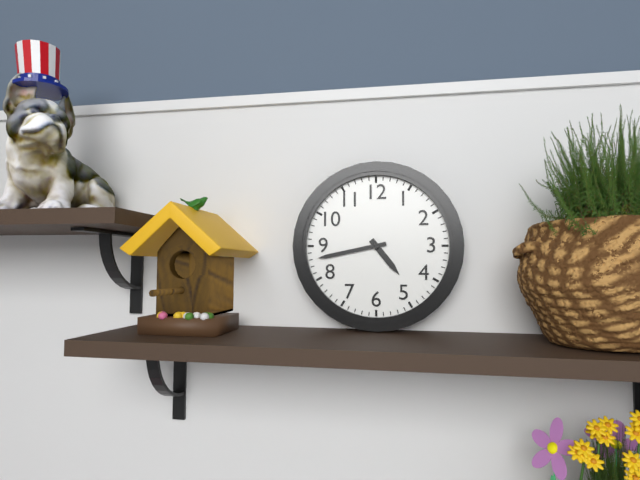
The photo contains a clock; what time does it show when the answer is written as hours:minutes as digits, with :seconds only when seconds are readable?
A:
4:43
